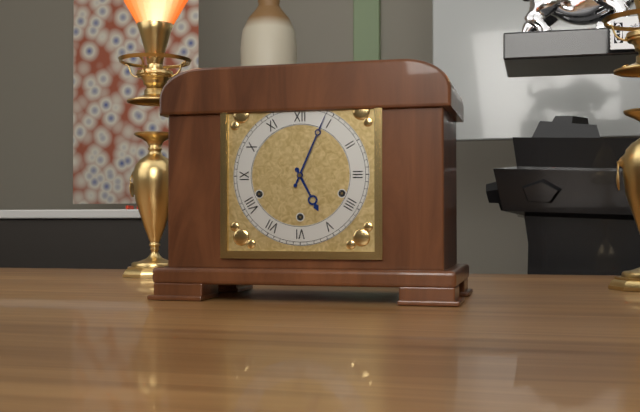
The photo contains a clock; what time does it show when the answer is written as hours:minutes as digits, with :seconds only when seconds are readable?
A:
5:04
